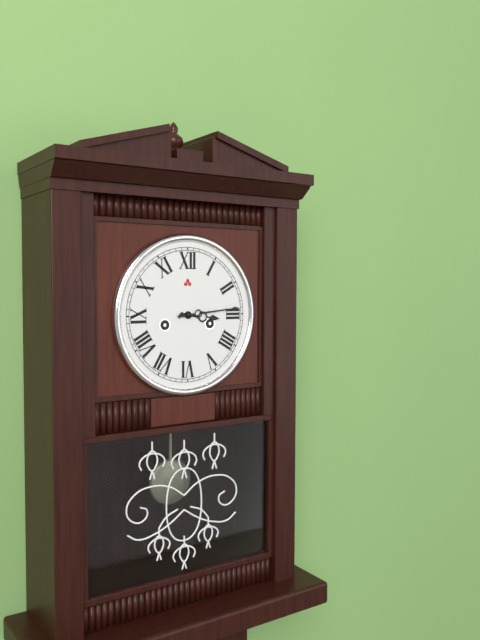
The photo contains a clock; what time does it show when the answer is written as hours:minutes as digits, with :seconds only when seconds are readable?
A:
3:14
